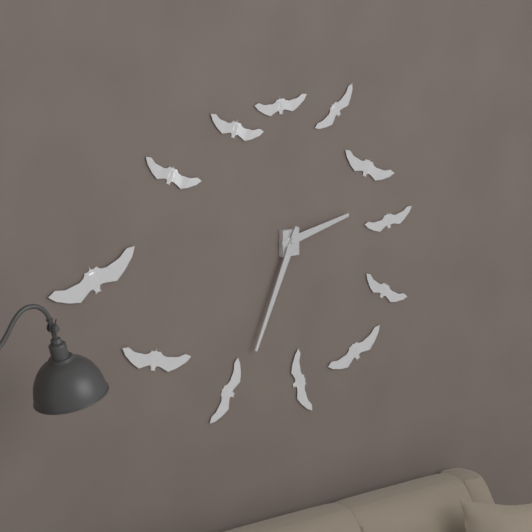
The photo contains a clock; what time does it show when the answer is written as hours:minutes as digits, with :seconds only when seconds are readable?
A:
2:34
